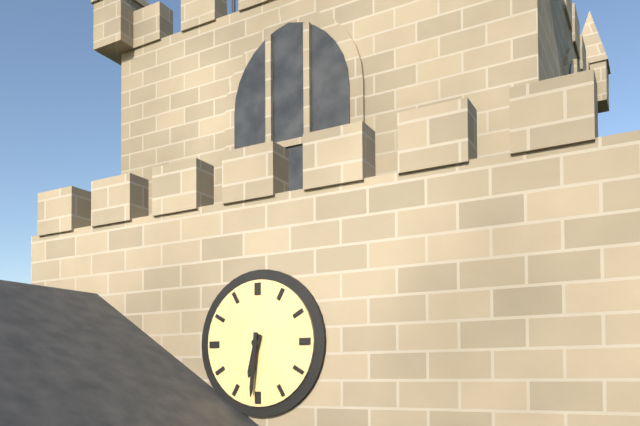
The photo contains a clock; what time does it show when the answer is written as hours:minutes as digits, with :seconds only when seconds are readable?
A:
6:31
